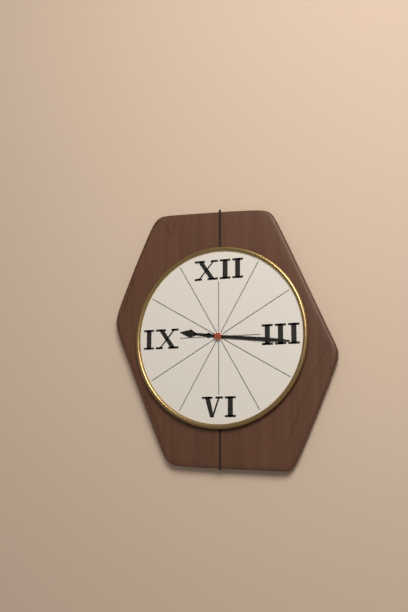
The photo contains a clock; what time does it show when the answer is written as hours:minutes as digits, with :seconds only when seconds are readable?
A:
9:16
